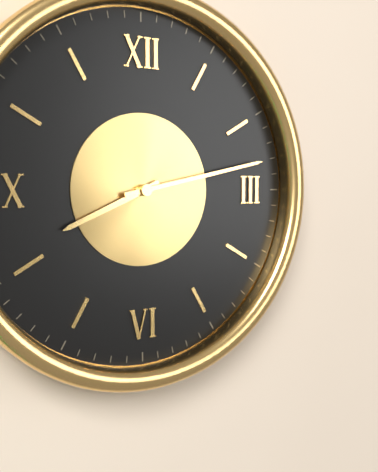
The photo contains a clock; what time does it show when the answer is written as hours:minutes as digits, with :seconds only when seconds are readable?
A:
8:13
